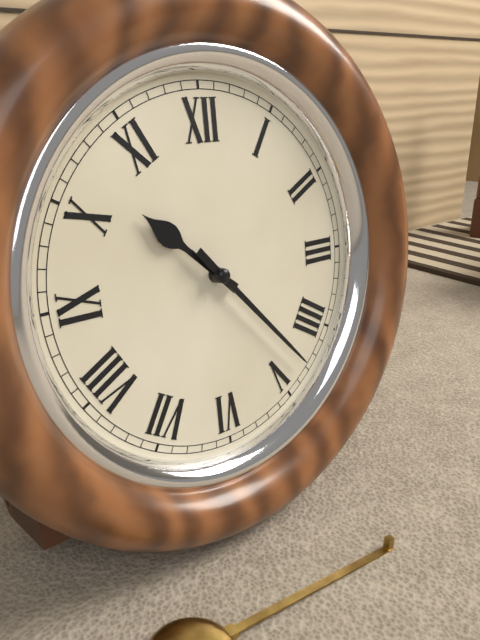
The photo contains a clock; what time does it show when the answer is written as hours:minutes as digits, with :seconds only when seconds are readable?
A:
10:23
